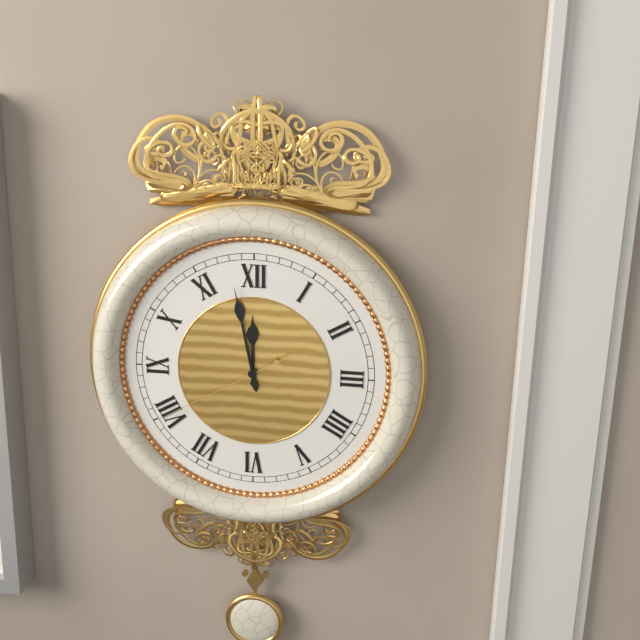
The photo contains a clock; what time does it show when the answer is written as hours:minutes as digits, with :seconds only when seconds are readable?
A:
11:58:40
